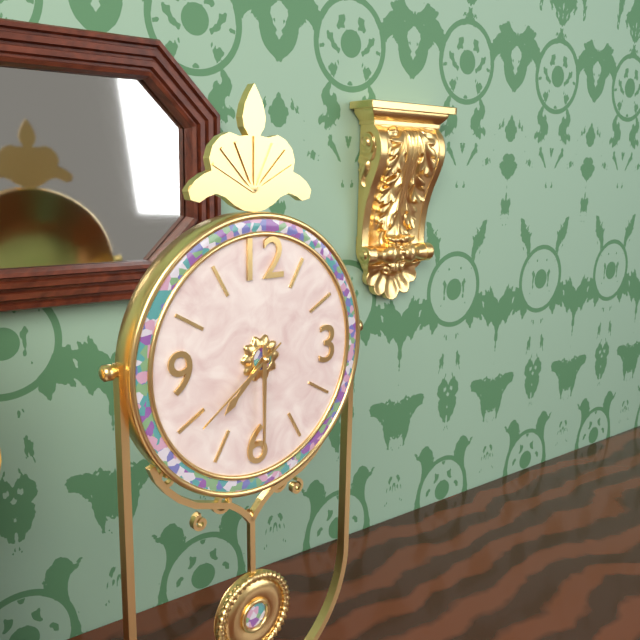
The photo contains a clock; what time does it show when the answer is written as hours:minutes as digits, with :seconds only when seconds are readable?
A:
7:30:39
